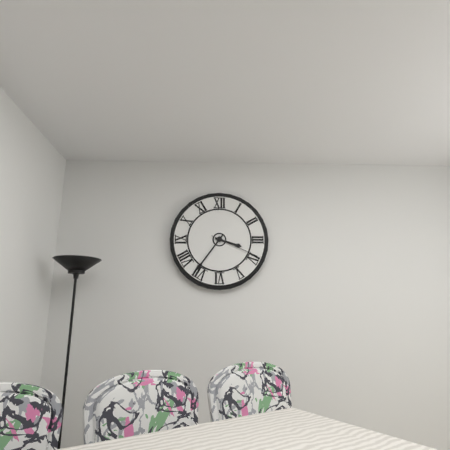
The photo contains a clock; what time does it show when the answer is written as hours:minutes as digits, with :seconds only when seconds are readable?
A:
3:36:19
